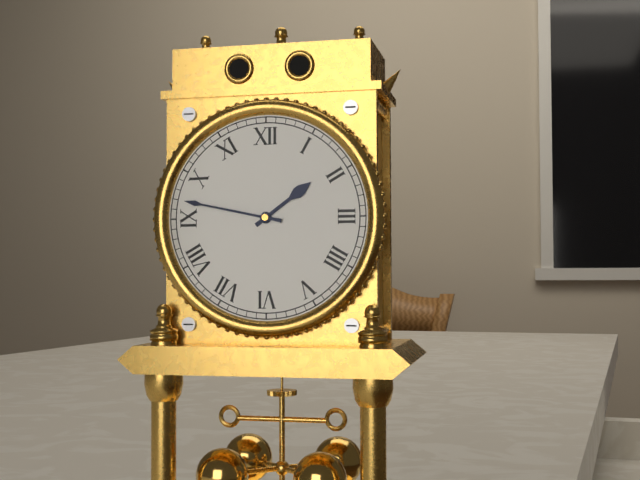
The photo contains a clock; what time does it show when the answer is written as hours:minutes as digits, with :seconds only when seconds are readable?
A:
1:47
